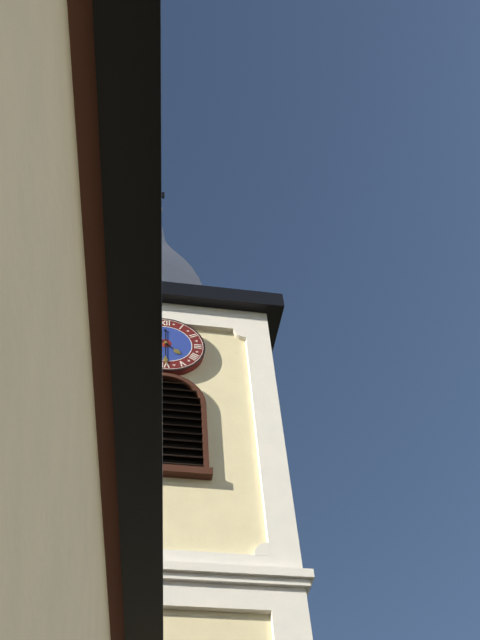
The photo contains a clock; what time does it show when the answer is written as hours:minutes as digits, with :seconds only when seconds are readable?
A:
4:30
